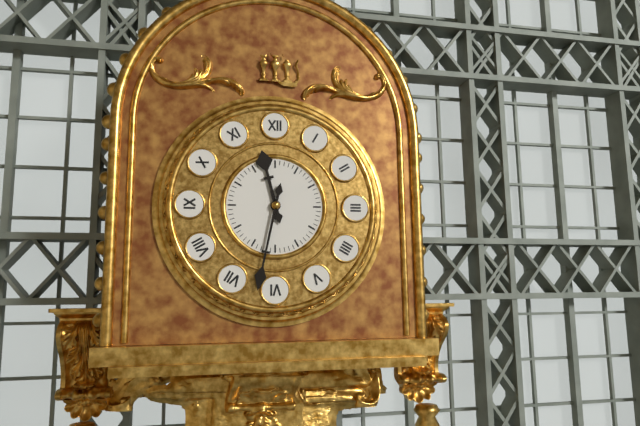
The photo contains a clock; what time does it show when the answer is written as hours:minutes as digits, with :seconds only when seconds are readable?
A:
11:32
